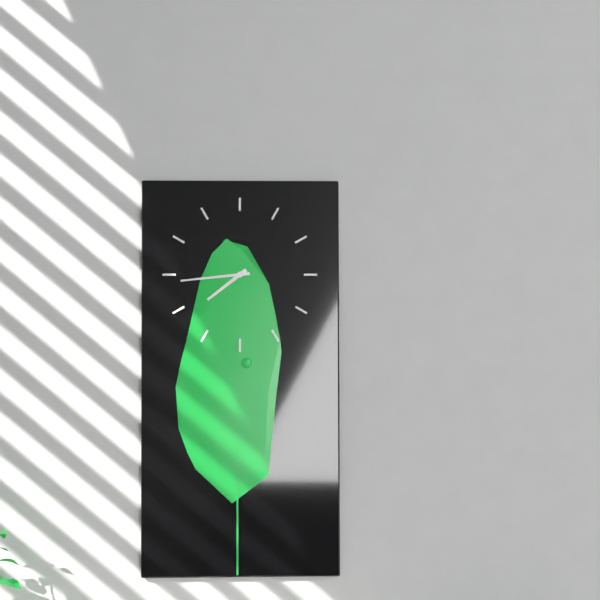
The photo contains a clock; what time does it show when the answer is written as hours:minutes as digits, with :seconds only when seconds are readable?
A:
7:44
